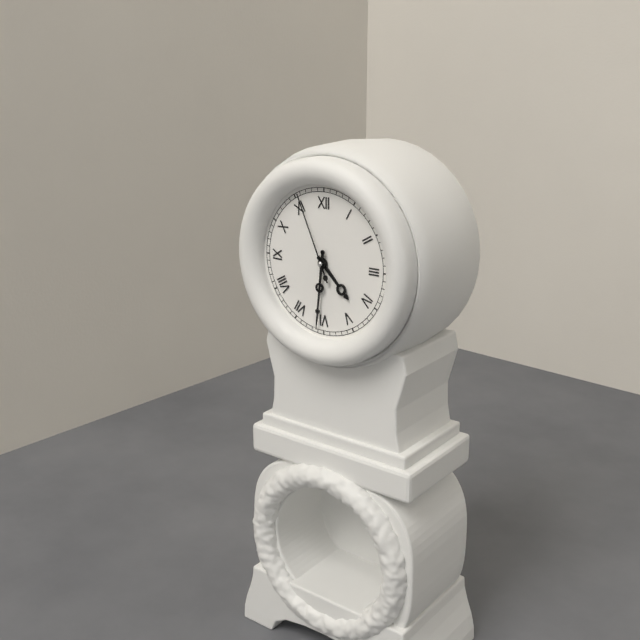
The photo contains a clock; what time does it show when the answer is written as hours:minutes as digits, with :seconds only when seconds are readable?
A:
4:31:56
